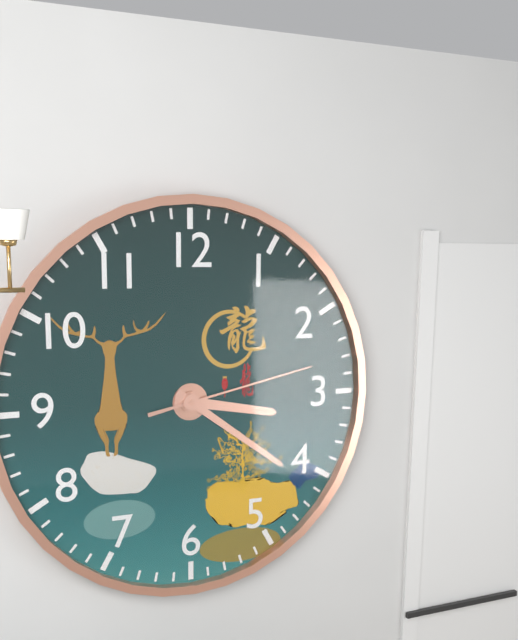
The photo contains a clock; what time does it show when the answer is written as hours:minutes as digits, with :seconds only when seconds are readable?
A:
3:21:13
